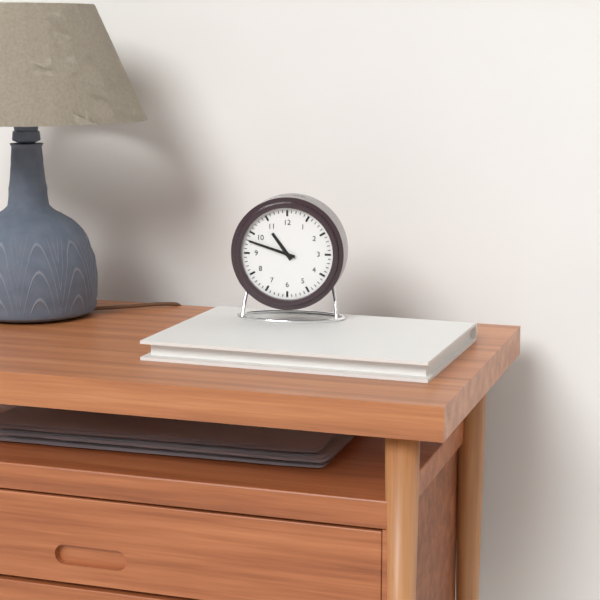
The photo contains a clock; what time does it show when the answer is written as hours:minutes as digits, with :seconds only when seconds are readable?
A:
10:48
